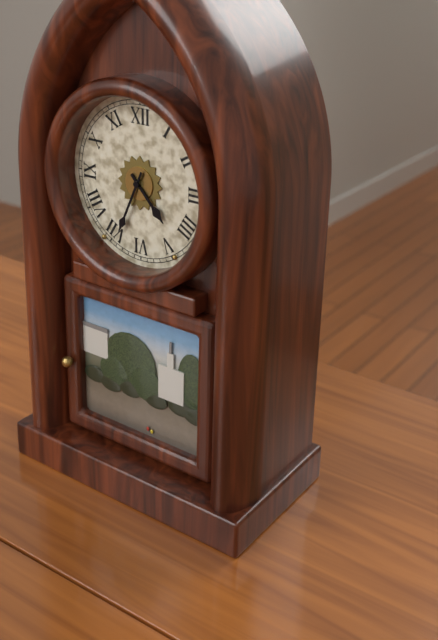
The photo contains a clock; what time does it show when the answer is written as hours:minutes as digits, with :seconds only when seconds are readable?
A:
4:34
